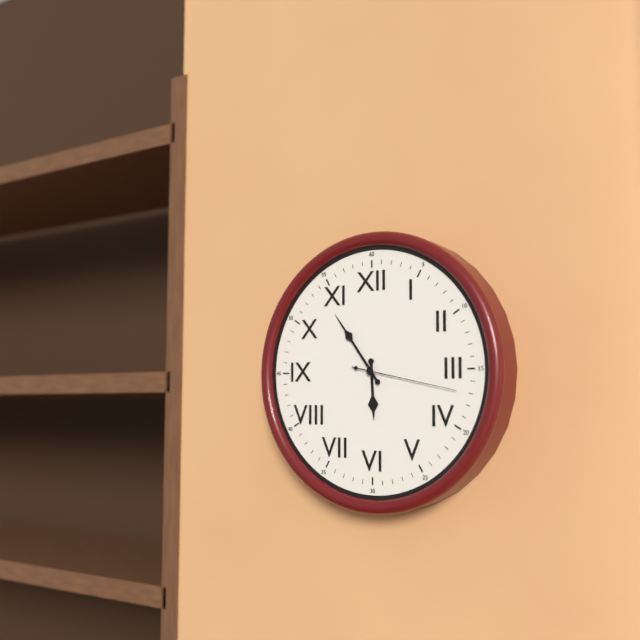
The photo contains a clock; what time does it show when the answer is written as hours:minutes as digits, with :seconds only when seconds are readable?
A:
5:54:17
